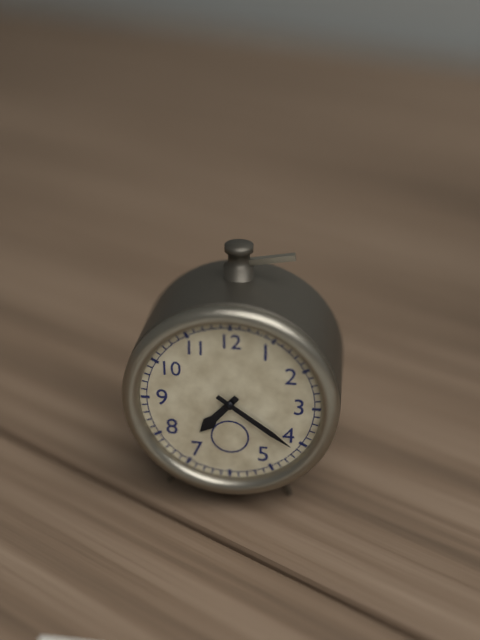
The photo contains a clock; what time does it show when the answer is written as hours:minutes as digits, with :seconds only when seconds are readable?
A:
7:21
